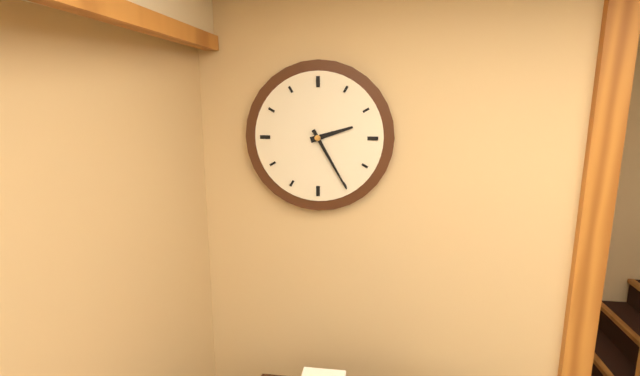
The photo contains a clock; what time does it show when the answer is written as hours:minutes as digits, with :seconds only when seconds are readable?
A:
2:25
